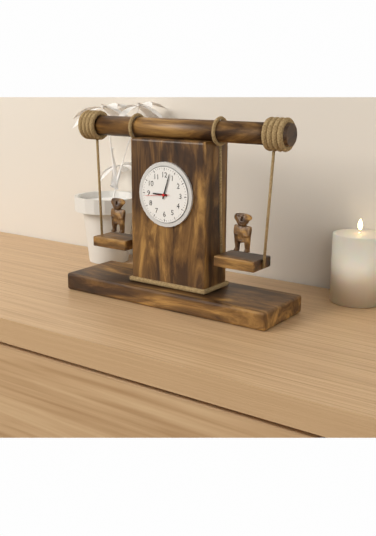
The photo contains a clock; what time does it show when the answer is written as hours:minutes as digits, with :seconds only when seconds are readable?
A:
9:03
